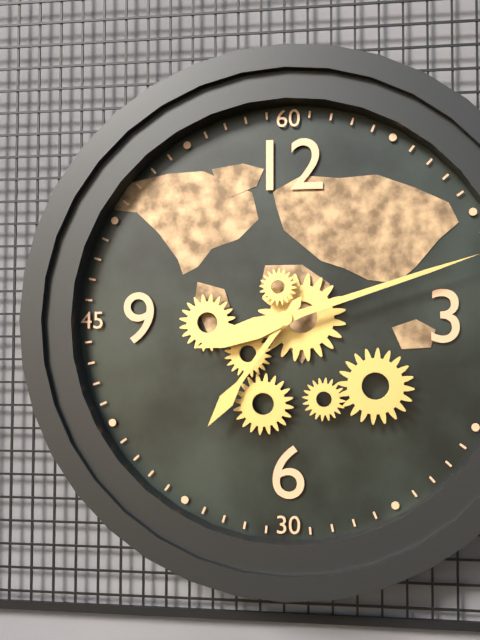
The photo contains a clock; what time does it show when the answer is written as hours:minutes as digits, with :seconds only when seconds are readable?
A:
7:12
